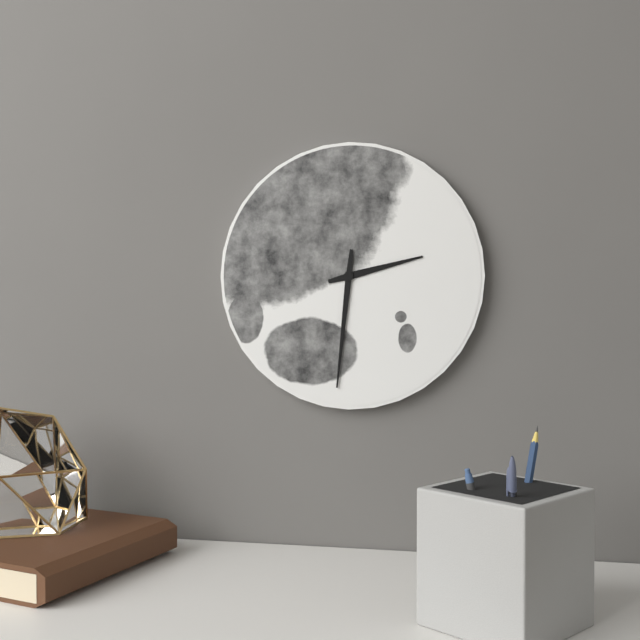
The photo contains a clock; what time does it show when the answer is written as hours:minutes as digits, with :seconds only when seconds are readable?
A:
2:31
